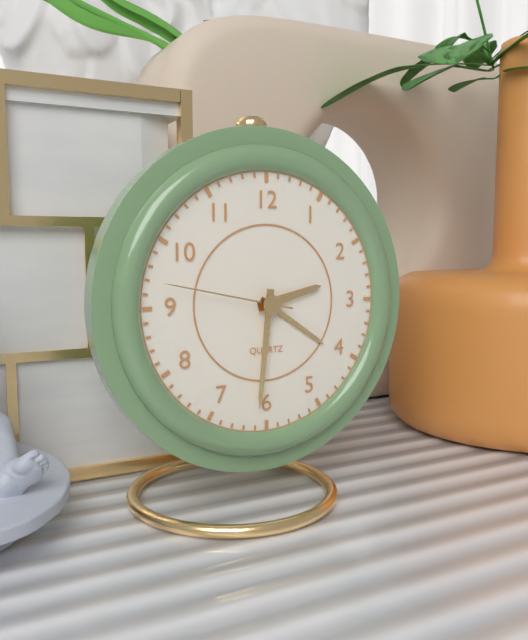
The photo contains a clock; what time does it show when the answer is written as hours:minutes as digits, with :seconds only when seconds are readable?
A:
2:31:47
